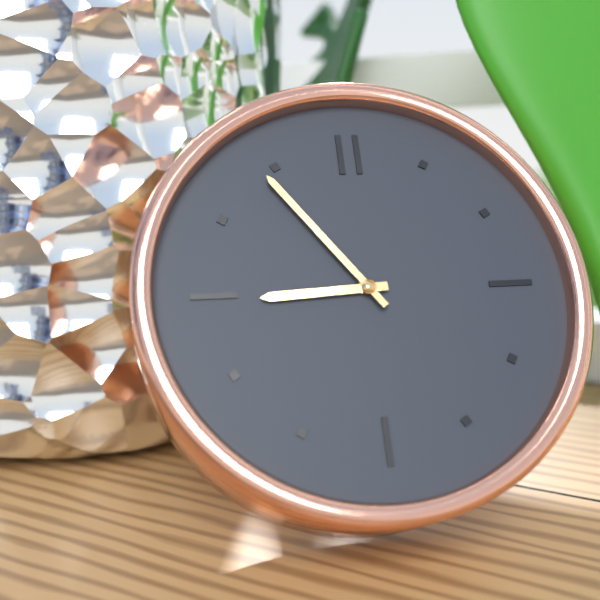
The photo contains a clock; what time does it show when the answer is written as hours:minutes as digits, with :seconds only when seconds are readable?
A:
8:54
